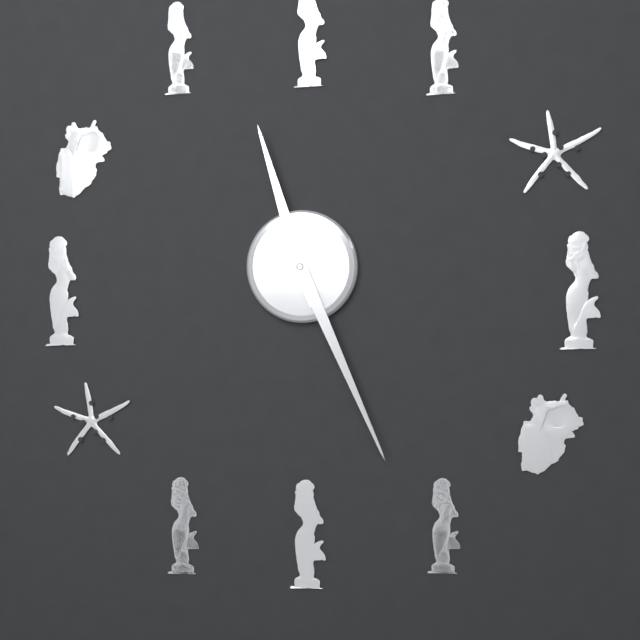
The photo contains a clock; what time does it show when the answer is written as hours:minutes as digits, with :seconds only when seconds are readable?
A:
11:26
